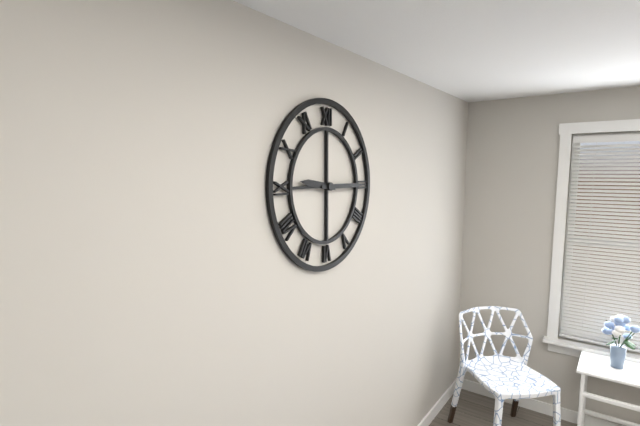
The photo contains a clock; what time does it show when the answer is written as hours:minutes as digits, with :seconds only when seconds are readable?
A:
9:15
